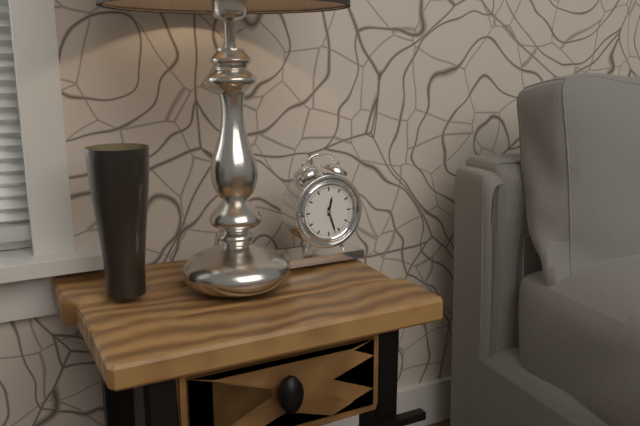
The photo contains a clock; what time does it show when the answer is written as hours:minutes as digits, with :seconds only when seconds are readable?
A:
12:27
